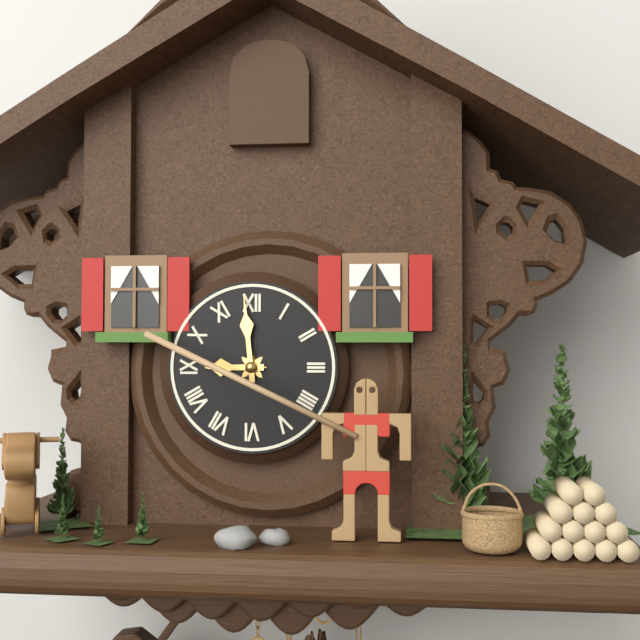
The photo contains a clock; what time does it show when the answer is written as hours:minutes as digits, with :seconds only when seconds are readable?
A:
8:59
